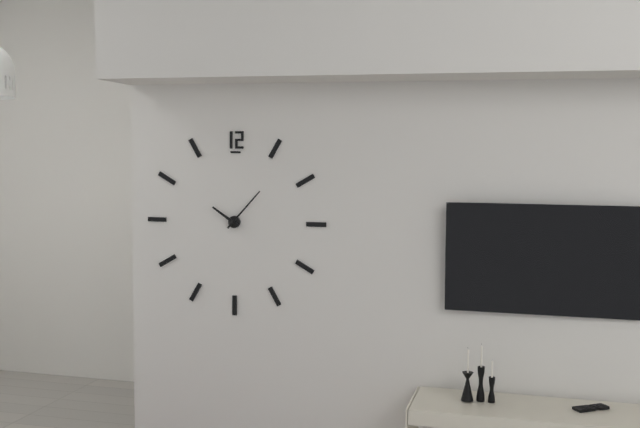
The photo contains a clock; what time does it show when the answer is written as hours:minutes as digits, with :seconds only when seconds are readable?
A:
10:07
